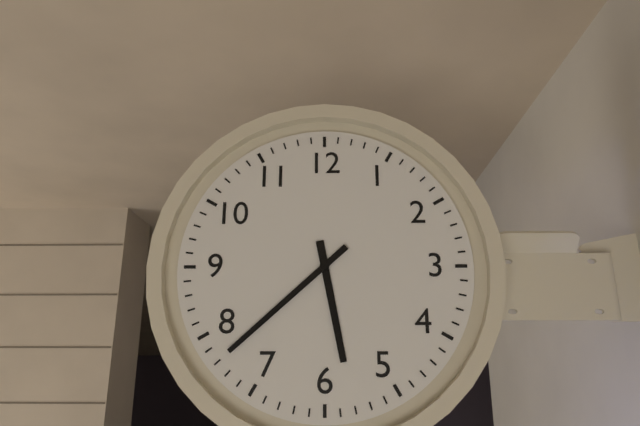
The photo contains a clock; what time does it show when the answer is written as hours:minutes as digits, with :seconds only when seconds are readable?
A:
5:38
